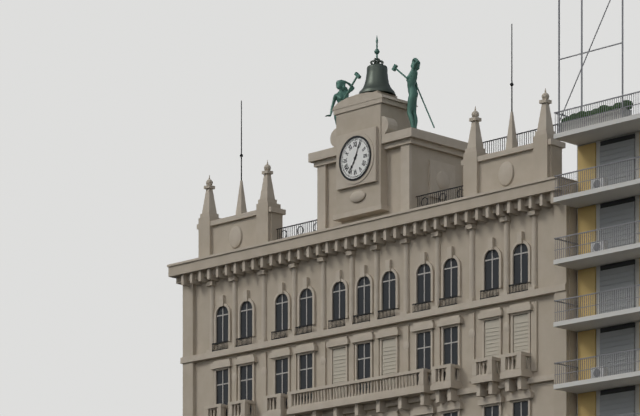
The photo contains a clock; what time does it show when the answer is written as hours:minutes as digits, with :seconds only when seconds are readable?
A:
7:04
